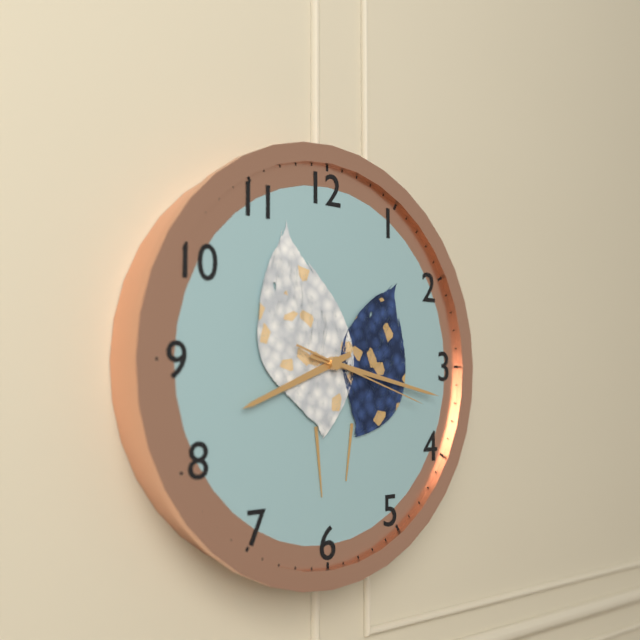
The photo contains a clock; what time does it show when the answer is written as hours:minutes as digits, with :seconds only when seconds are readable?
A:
8:17:18
